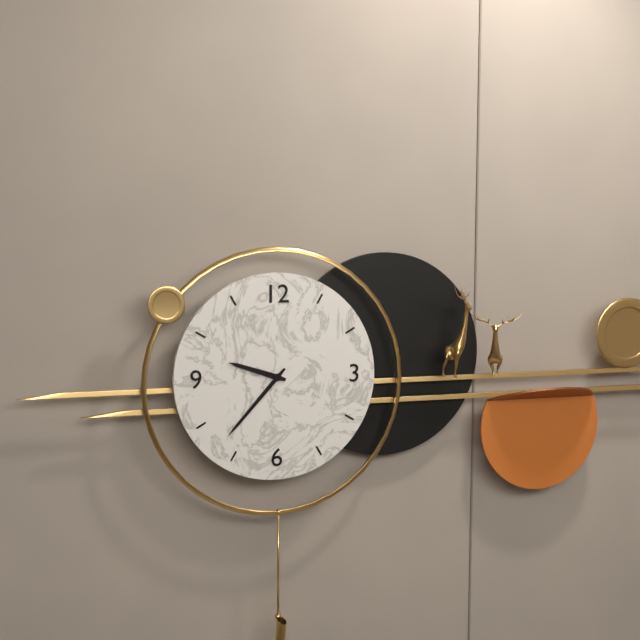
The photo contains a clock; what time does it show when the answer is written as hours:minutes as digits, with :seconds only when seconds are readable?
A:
9:37
